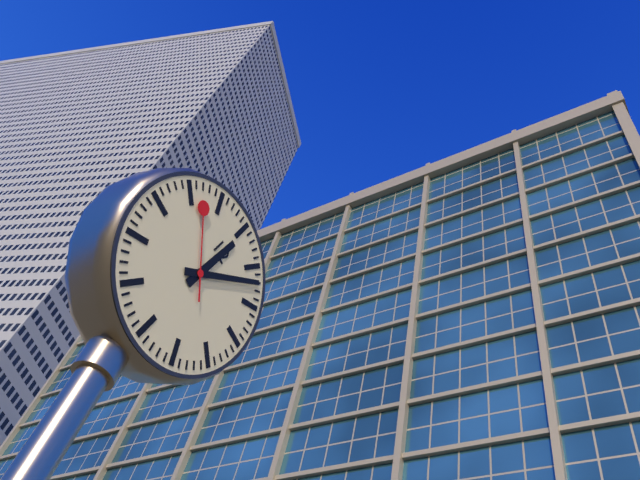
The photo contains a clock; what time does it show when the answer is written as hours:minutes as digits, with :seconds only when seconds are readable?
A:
12:07:52
